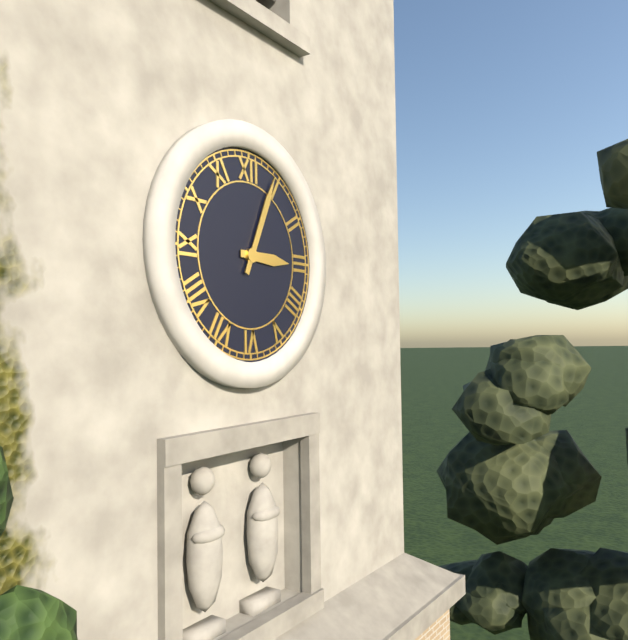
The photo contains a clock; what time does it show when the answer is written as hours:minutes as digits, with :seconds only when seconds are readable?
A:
3:04
